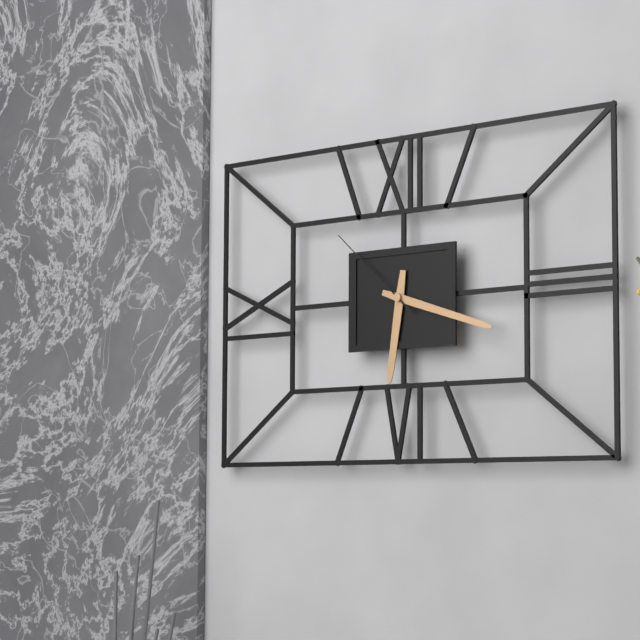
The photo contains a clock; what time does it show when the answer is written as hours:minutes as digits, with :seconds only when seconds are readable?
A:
6:18:52
